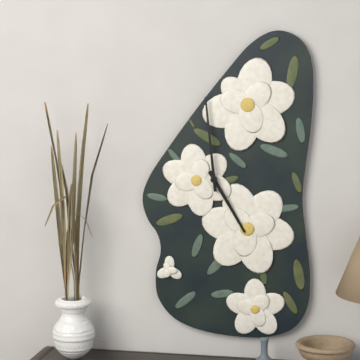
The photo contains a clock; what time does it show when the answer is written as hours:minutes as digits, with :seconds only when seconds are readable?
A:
4:59
